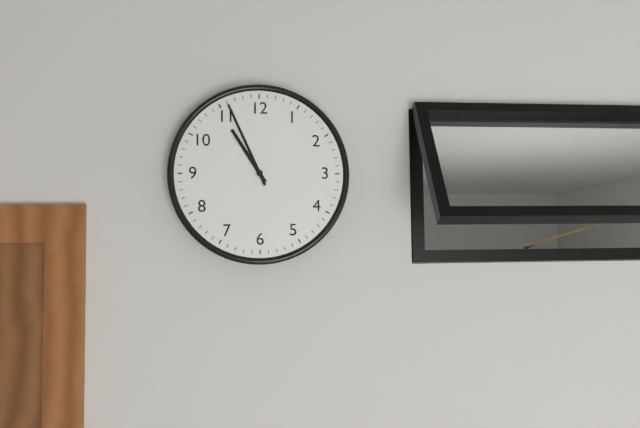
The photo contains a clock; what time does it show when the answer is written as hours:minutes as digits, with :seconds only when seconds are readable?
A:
10:56
